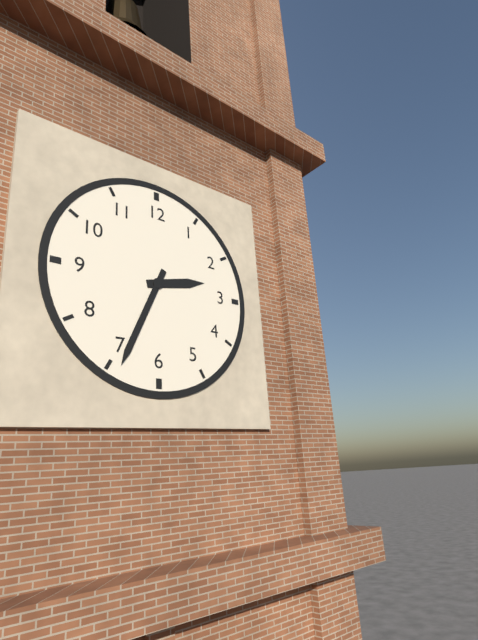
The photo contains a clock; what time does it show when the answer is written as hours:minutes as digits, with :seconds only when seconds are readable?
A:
2:34
